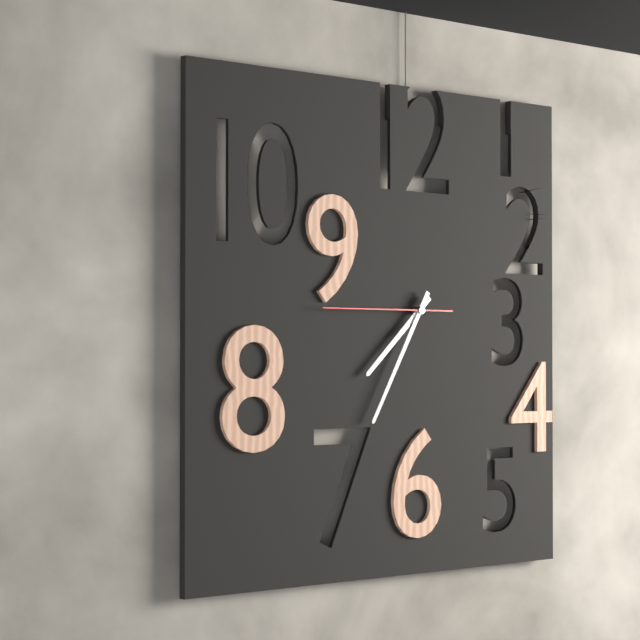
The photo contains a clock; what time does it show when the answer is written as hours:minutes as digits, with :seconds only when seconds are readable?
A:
7:35:45
